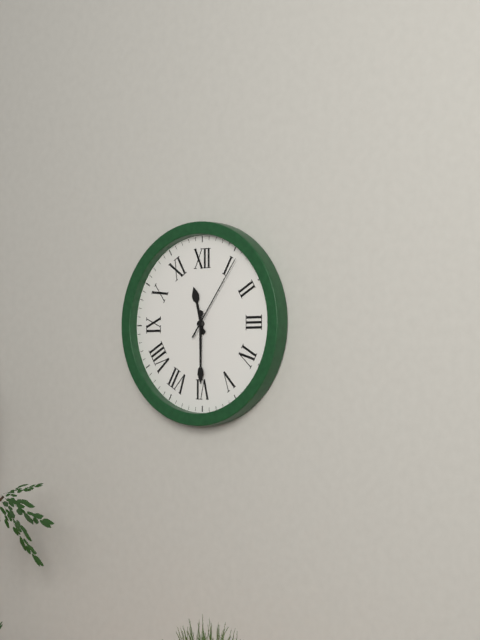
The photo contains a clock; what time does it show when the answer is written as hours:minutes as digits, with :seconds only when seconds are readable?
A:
11:30:06
